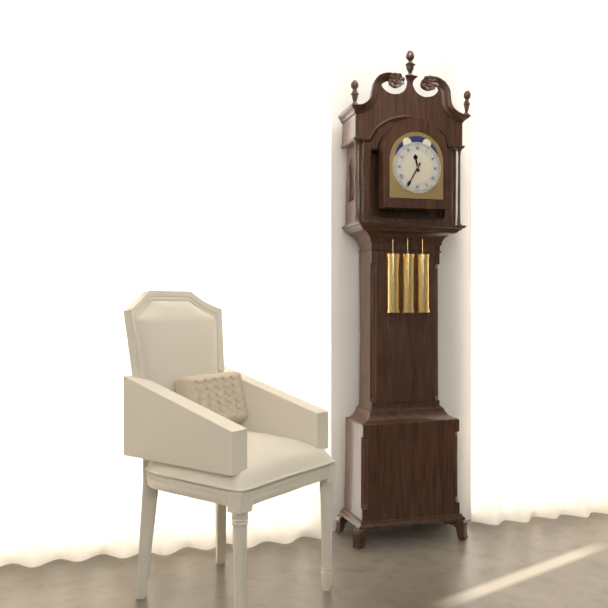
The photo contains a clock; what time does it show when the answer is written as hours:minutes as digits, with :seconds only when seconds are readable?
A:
11:35
